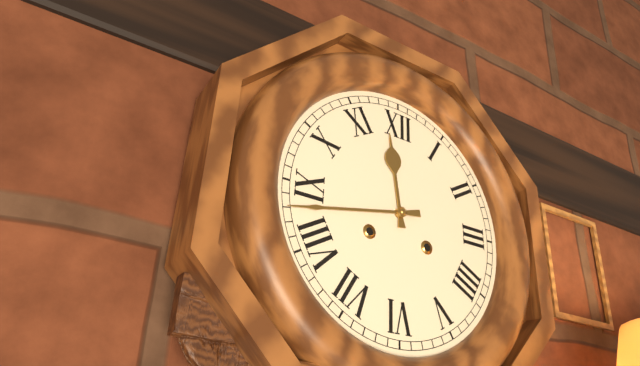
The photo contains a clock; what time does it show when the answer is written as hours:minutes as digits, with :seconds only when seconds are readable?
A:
11:43
